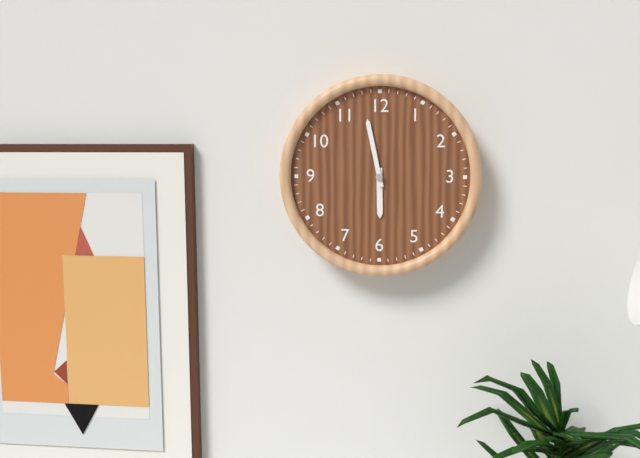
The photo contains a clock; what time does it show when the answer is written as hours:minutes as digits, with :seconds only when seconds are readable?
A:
5:58
